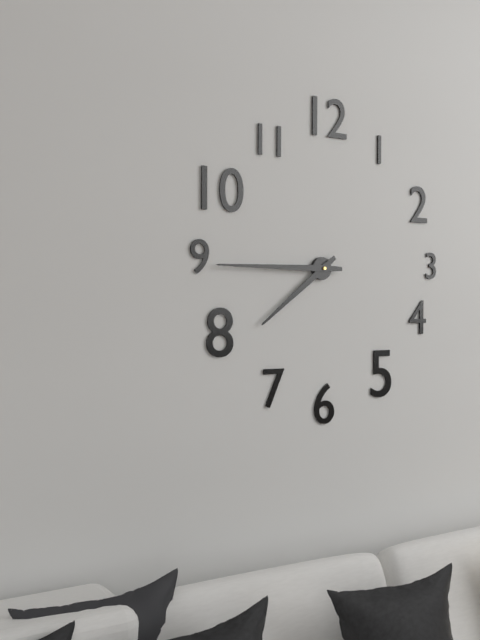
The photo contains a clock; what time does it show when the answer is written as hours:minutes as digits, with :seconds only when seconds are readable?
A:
7:45
